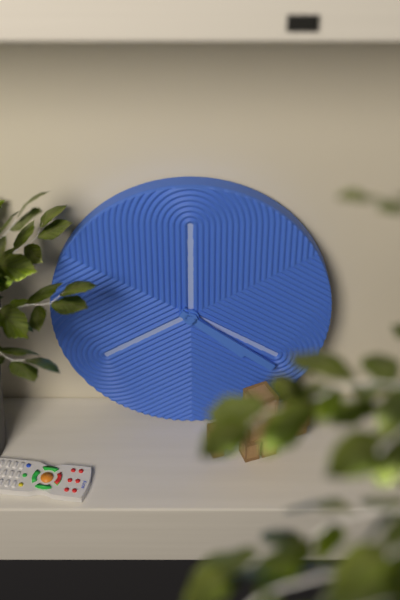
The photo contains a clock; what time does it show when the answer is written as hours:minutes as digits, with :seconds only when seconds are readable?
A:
4:21
